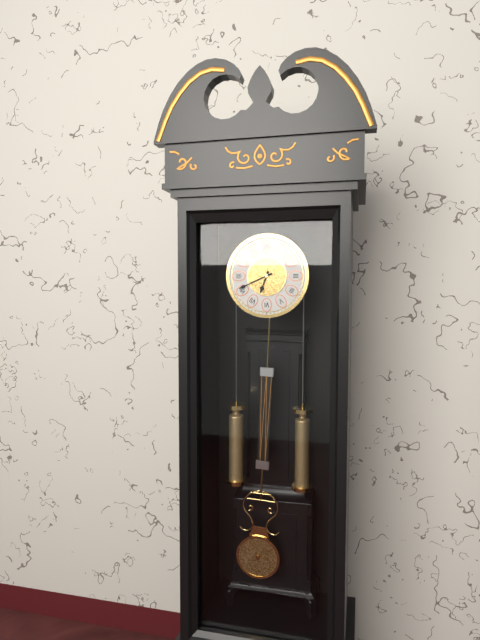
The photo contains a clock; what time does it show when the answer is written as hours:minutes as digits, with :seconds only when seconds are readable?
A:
6:41
